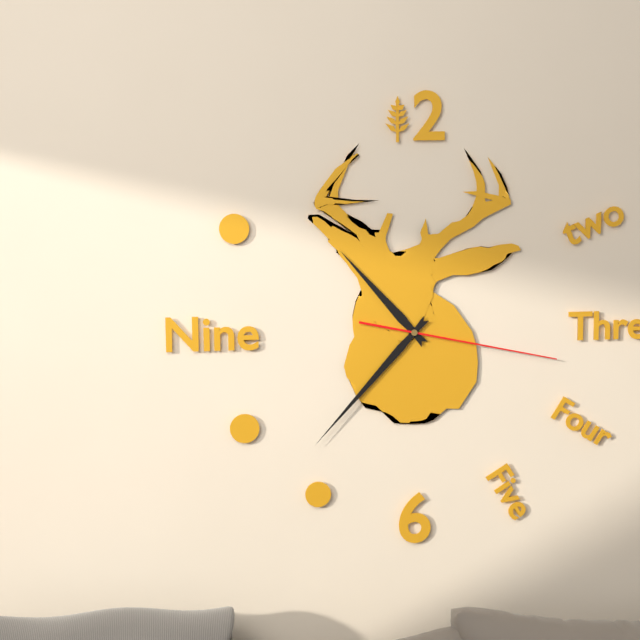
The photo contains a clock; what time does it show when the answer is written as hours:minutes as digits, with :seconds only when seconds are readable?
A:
10:37:17
